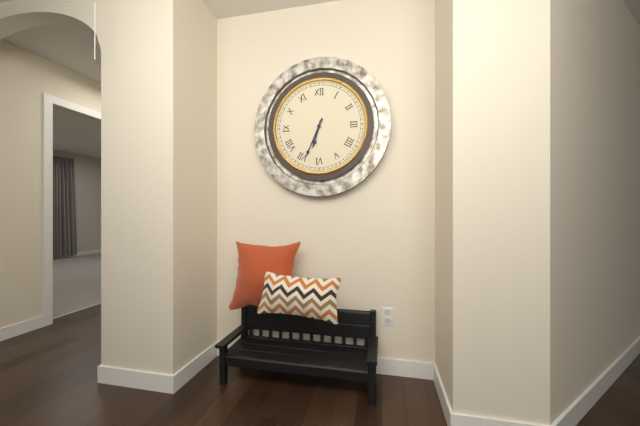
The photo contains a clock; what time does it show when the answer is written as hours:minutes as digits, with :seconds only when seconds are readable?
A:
6:34
